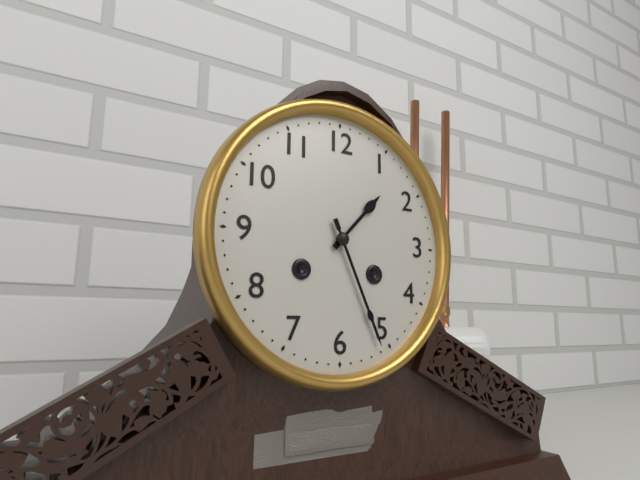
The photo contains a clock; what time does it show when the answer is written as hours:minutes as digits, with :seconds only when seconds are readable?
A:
1:26
